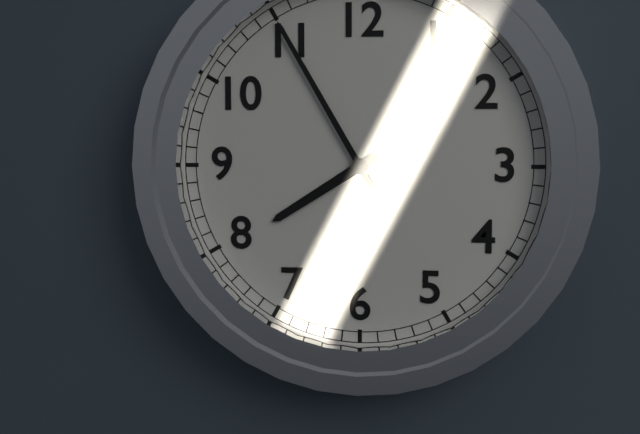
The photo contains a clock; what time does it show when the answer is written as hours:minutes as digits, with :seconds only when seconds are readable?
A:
7:55
